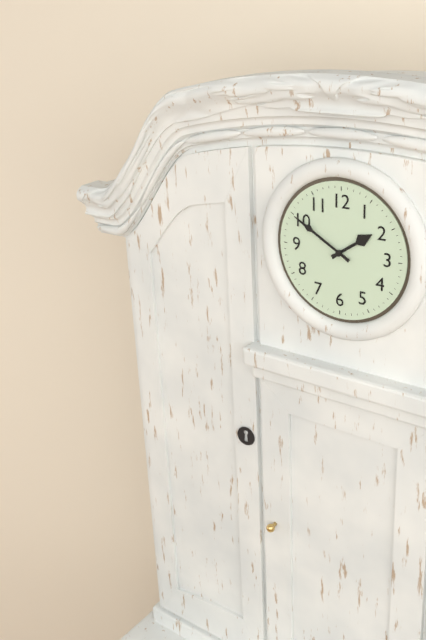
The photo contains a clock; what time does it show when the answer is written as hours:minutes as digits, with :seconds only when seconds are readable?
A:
1:50
